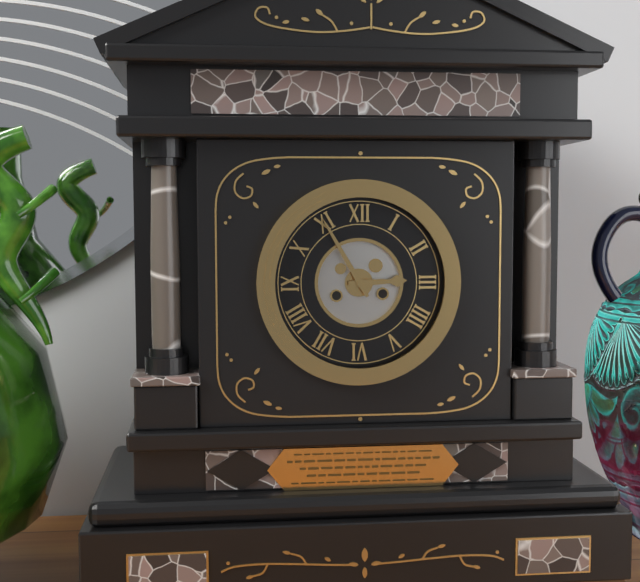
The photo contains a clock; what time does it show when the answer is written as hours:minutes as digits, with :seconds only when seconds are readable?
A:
2:55
